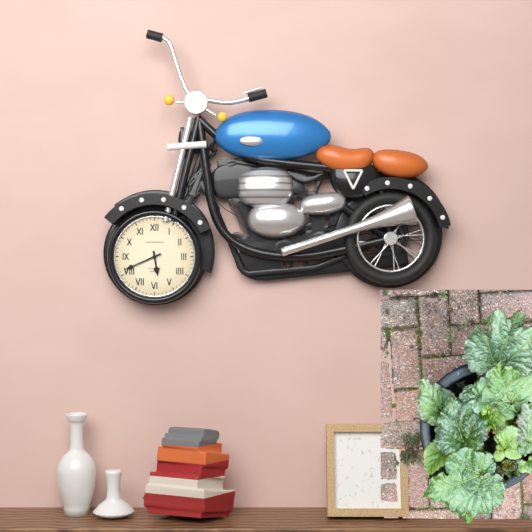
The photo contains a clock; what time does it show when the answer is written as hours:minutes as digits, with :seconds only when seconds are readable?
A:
5:41
